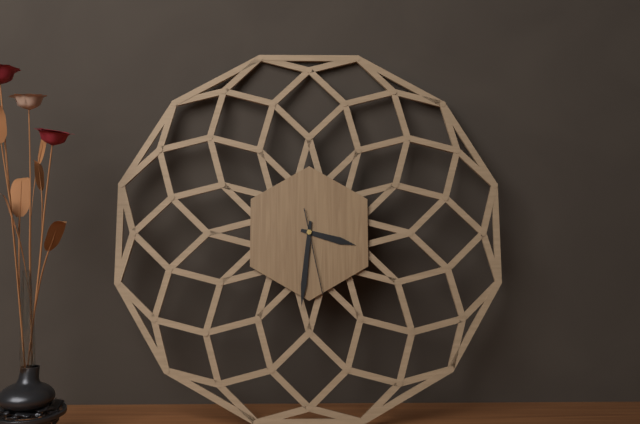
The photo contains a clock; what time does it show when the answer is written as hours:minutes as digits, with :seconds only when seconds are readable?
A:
3:31:28
